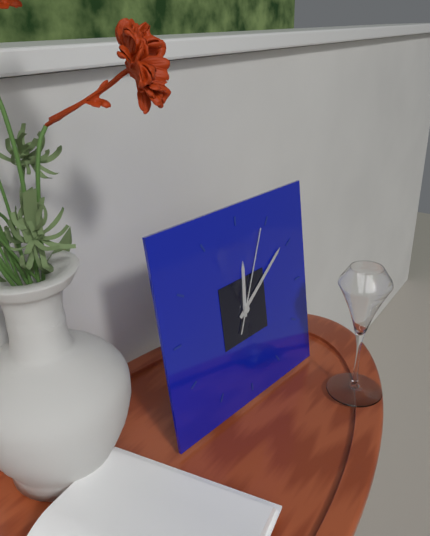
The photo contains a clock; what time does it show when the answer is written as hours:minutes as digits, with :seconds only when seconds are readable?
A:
12:09:04
